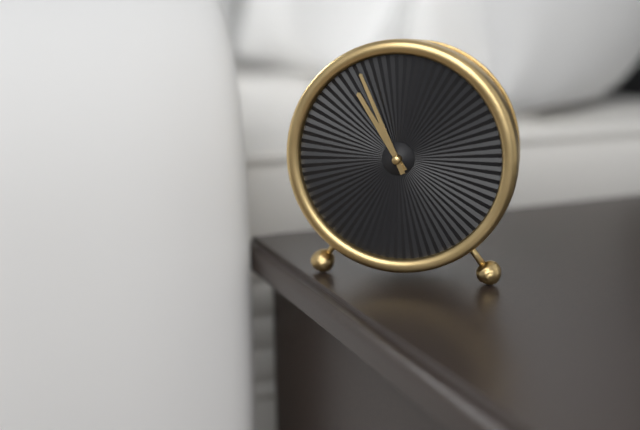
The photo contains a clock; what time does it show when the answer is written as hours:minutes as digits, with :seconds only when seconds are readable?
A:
10:56
